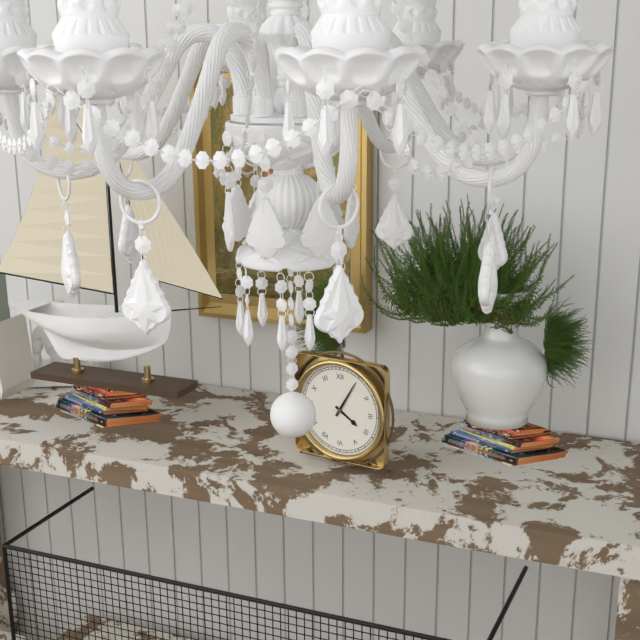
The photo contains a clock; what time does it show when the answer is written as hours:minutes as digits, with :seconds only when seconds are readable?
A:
4:05
